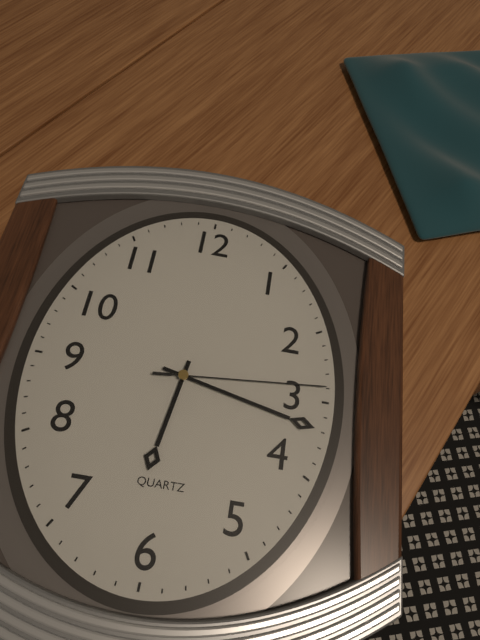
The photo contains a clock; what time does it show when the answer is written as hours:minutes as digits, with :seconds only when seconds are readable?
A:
6:17:14
